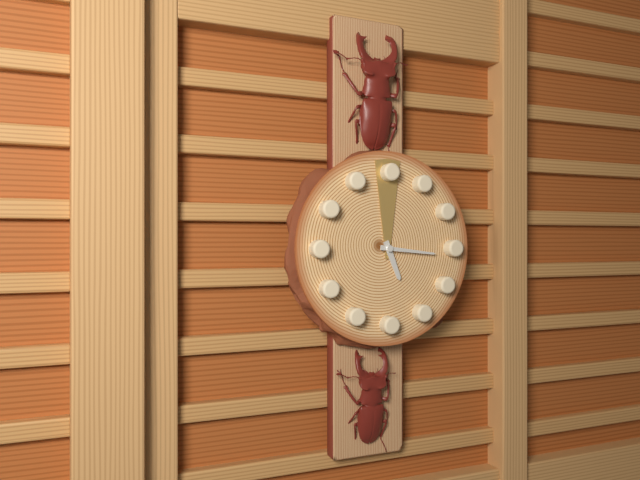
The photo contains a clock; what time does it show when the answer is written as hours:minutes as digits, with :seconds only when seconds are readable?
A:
5:16:00
